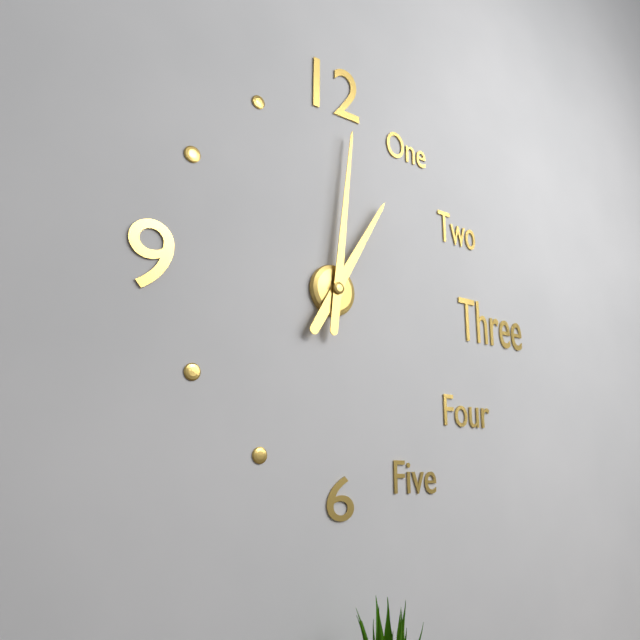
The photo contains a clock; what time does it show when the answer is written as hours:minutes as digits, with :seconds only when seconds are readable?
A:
1:01
